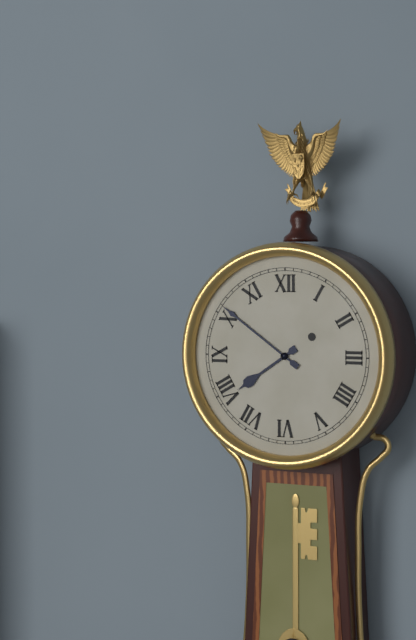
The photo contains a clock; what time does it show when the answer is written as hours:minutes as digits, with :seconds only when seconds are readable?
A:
7:51
